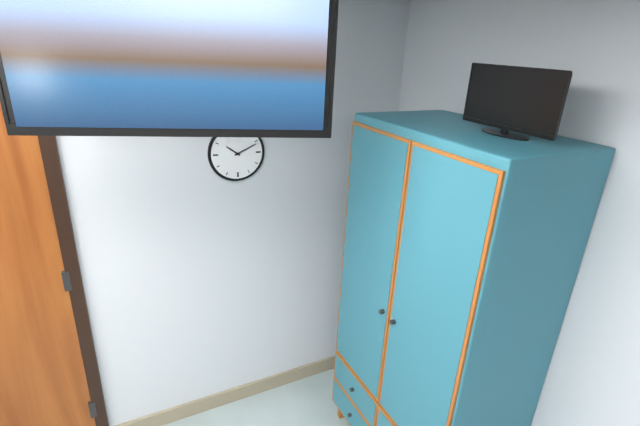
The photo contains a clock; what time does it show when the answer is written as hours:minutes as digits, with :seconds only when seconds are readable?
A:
10:11
